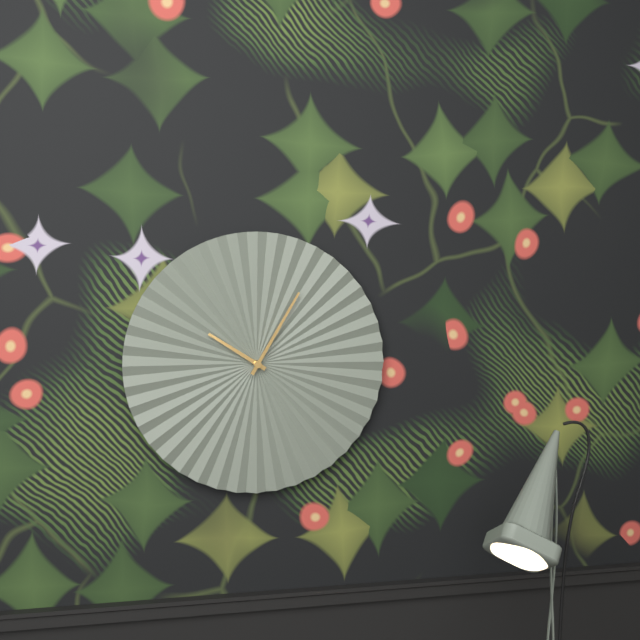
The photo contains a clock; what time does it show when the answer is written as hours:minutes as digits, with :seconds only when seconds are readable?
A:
10:05
